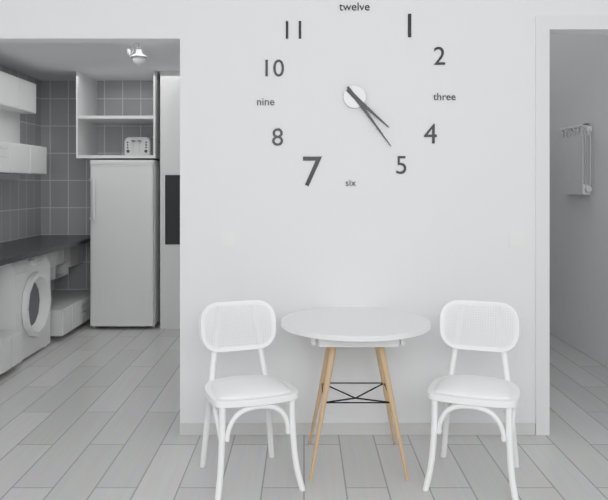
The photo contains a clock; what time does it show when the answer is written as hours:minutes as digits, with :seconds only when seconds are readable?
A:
4:24
